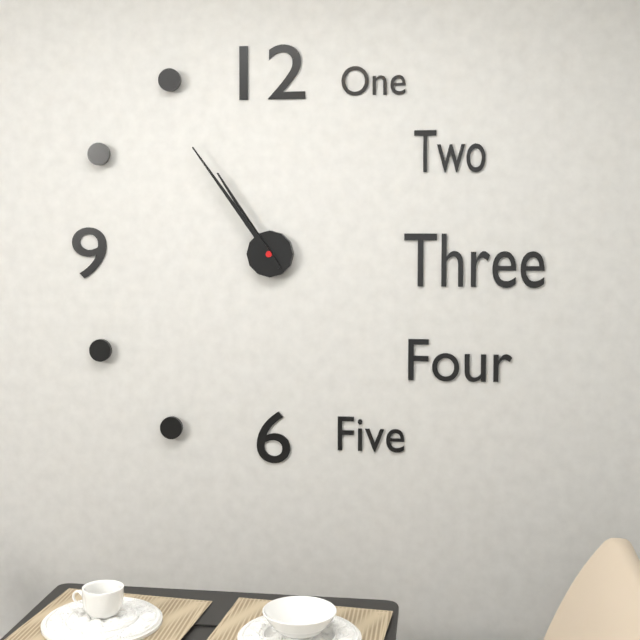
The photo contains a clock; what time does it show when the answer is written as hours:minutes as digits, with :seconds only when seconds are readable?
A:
10:54
